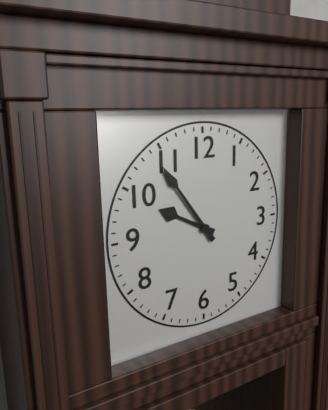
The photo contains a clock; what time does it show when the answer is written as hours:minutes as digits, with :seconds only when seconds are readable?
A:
9:54
